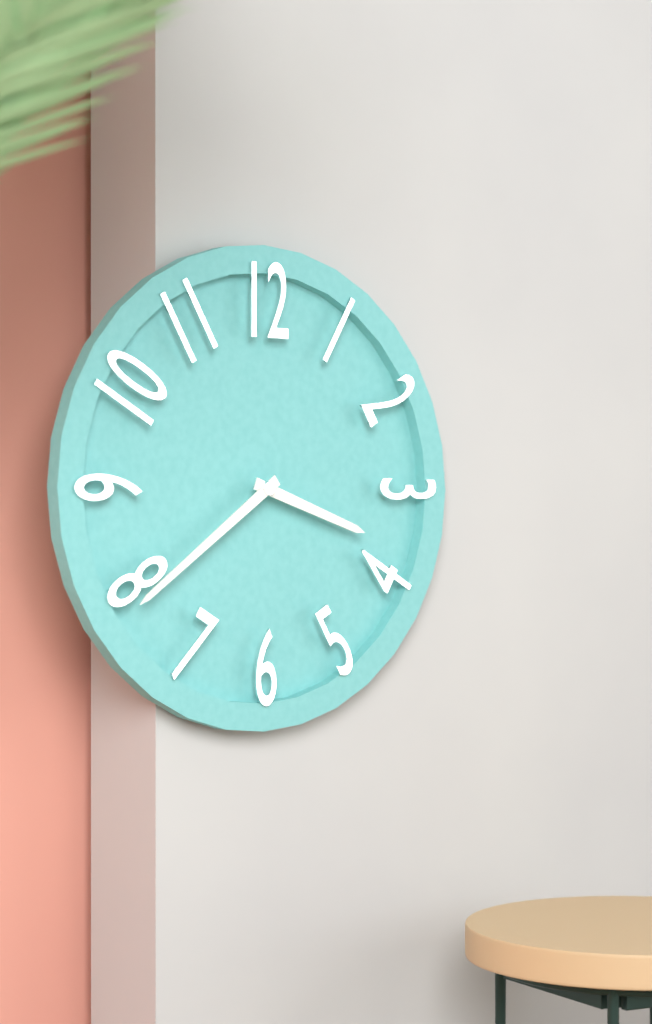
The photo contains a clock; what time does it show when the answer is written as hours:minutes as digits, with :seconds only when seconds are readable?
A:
3:39
